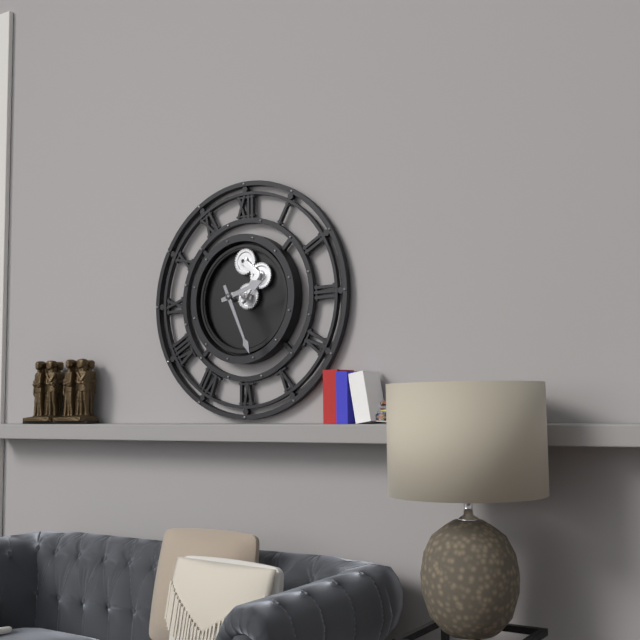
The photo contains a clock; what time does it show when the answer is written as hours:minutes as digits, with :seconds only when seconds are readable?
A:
2:26
